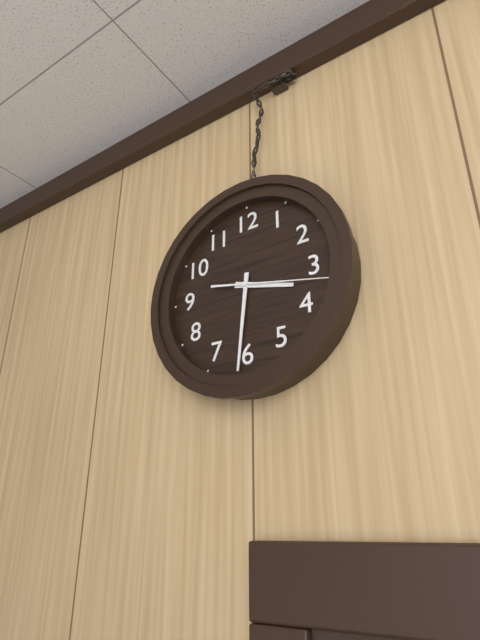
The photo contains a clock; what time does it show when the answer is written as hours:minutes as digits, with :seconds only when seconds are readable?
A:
3:31:17
